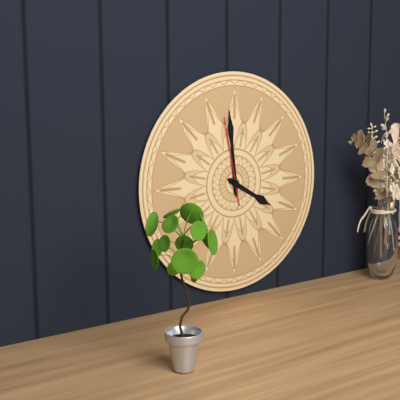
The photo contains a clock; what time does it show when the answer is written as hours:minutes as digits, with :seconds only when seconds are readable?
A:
3:59:58
